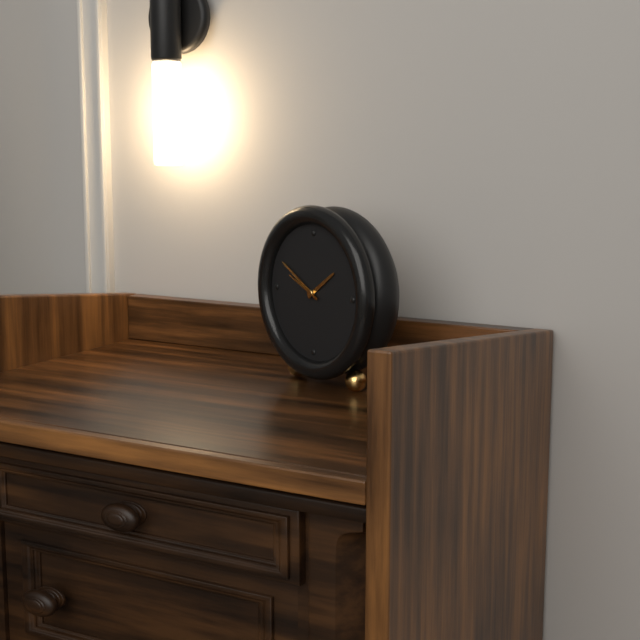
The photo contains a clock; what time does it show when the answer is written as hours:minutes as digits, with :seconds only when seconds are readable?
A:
1:50
